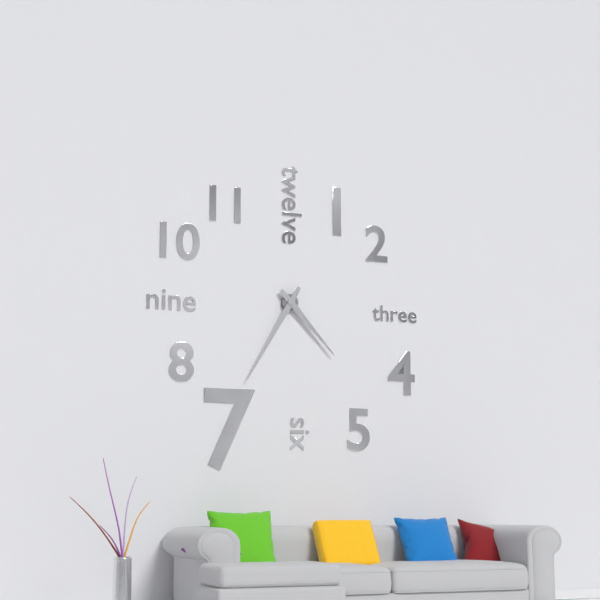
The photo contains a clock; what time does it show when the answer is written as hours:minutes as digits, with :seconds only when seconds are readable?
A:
4:35
